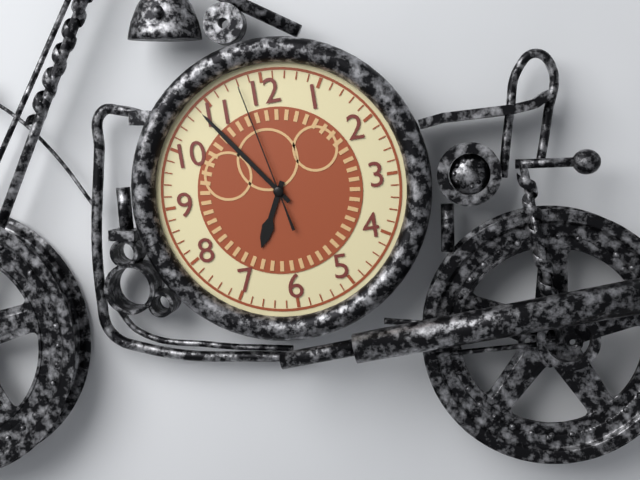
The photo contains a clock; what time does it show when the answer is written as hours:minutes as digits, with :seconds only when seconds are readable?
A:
6:54:58
